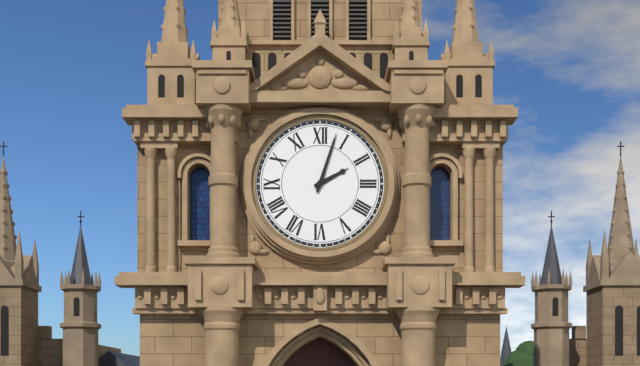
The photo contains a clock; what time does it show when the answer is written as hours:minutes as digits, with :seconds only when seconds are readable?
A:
2:03
